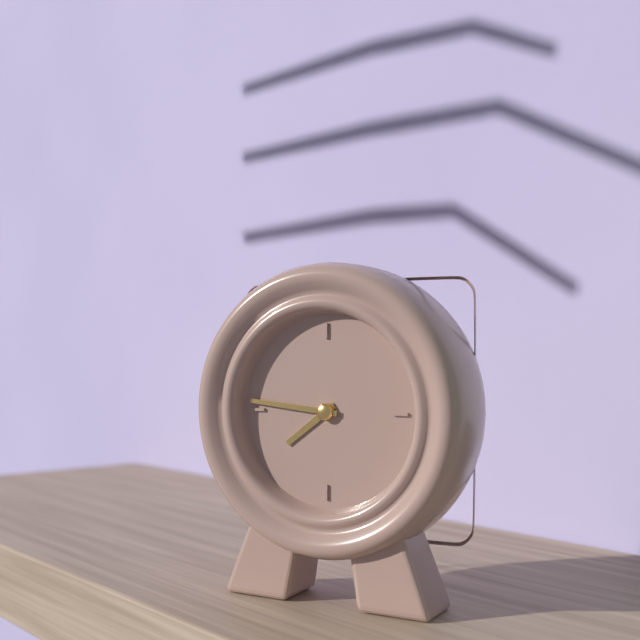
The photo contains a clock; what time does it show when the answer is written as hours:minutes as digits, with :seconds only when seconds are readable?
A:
7:46
